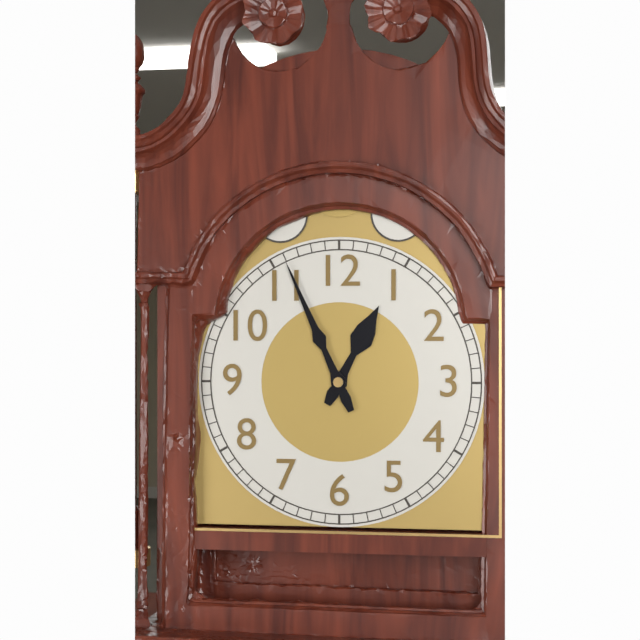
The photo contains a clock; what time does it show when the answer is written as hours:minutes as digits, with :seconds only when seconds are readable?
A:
12:56
